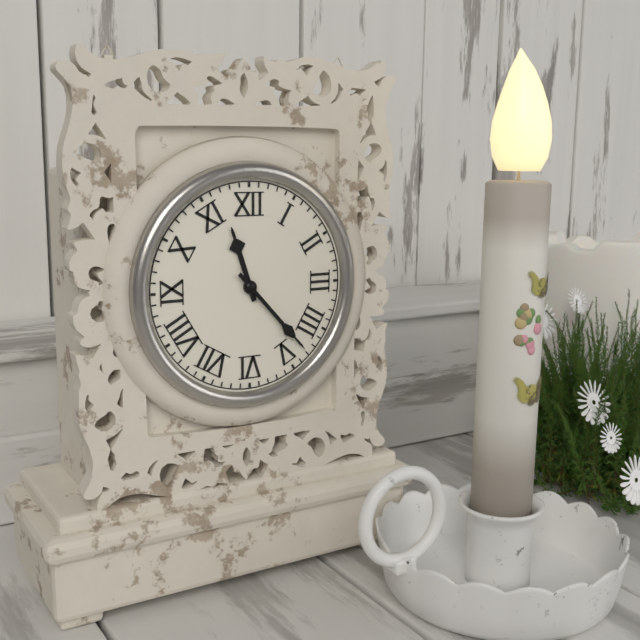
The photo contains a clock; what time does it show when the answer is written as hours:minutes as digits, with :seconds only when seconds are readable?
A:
11:23
